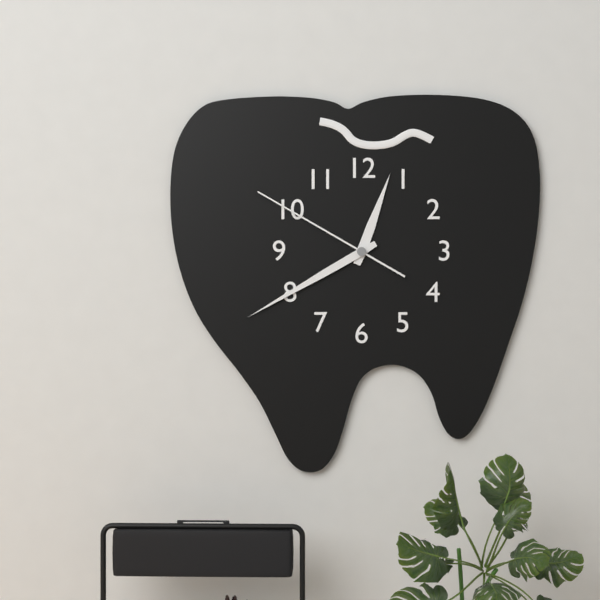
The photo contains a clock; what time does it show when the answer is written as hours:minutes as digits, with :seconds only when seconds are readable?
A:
12:40:50
